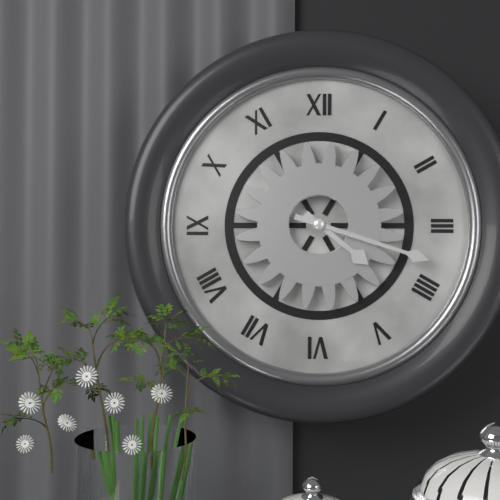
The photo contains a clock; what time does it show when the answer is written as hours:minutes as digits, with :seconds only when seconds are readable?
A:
4:18
